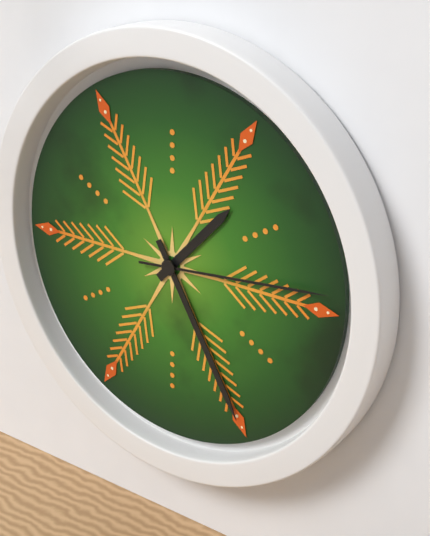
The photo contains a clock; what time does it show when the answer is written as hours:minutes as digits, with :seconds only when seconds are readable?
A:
1:25:14
